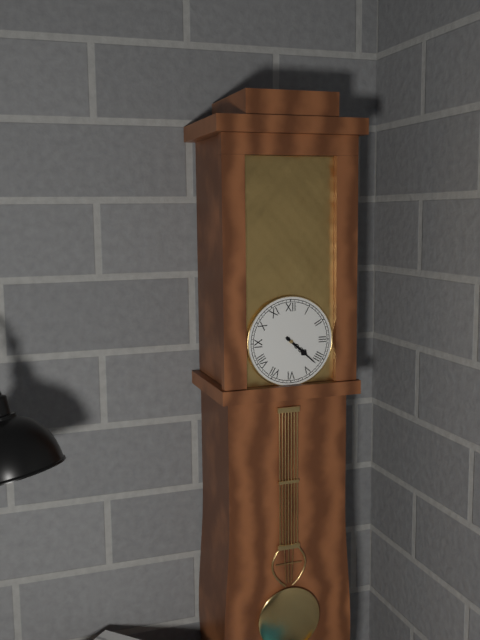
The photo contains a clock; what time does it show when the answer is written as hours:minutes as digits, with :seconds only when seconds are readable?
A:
4:22
